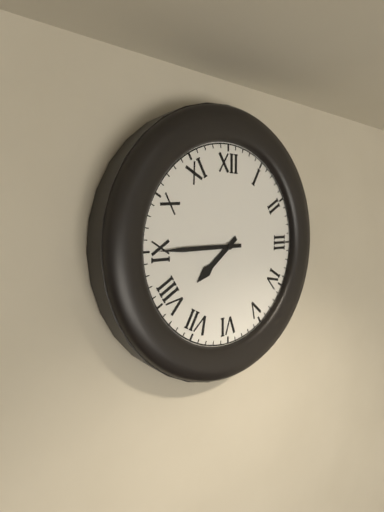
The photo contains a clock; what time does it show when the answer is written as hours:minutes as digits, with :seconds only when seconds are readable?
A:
7:45
